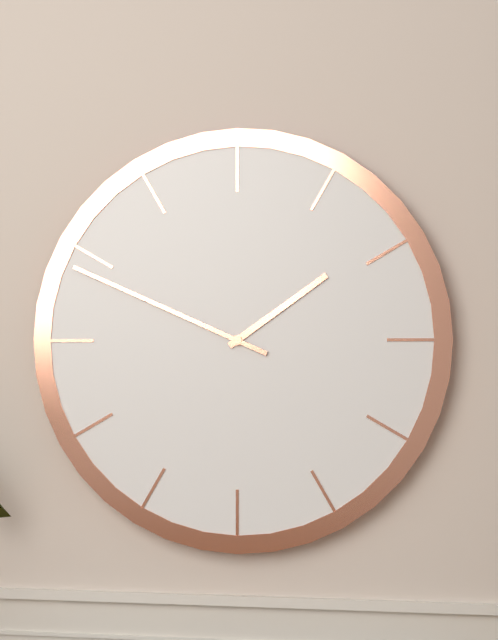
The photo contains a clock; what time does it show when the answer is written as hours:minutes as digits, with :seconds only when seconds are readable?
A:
1:49
